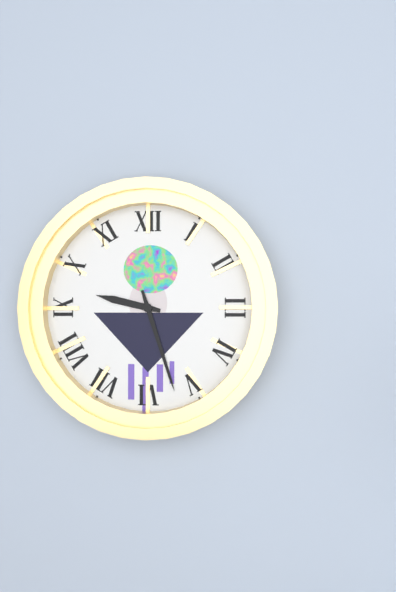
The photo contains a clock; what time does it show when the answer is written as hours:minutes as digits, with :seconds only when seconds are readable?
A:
9:27
